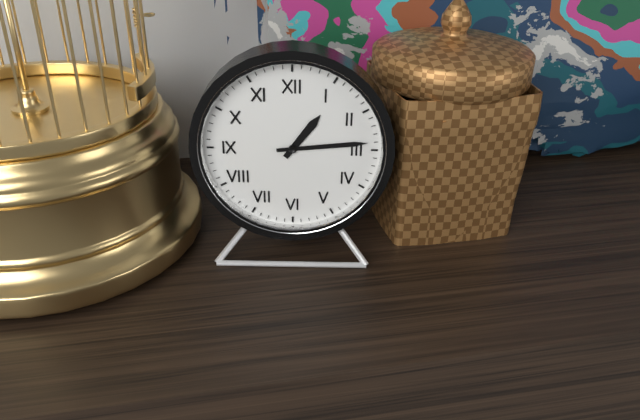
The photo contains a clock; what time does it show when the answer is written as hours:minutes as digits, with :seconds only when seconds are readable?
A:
1:14
